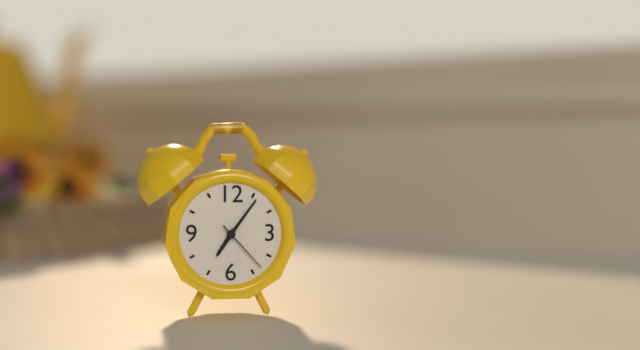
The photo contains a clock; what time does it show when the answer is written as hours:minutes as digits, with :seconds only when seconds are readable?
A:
7:06:23
